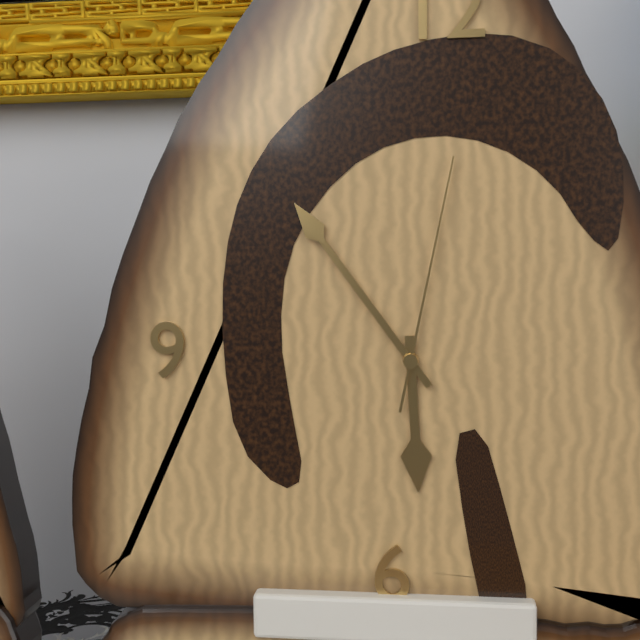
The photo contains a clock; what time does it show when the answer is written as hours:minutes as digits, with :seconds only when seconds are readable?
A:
5:54:02
